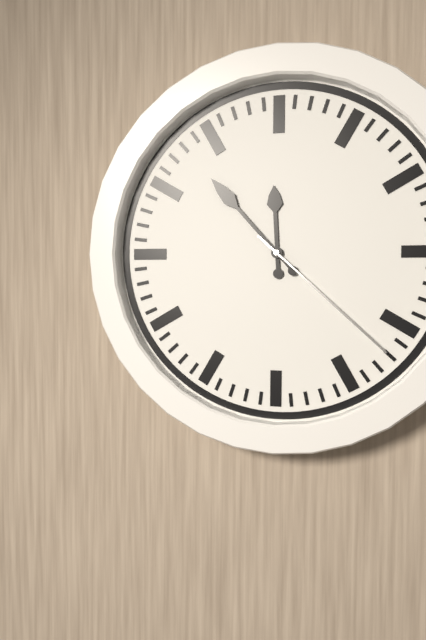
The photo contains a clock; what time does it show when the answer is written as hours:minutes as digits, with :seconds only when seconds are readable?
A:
11:53:22
